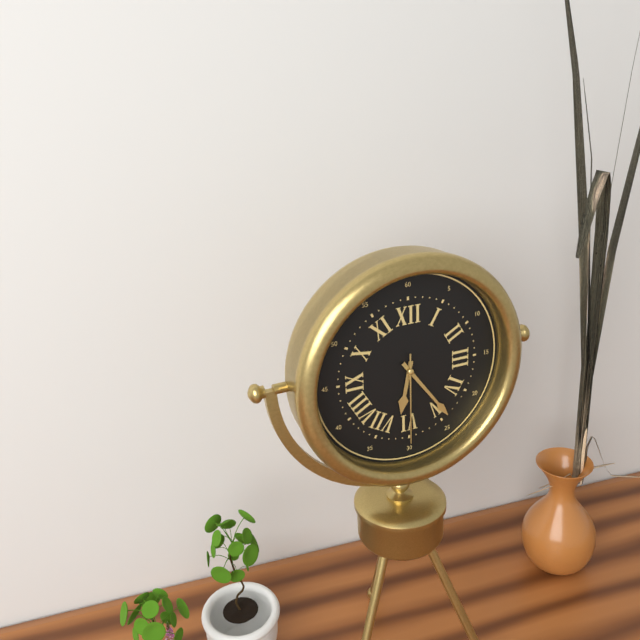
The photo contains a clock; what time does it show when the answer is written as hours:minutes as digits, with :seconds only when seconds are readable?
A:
6:24:30
